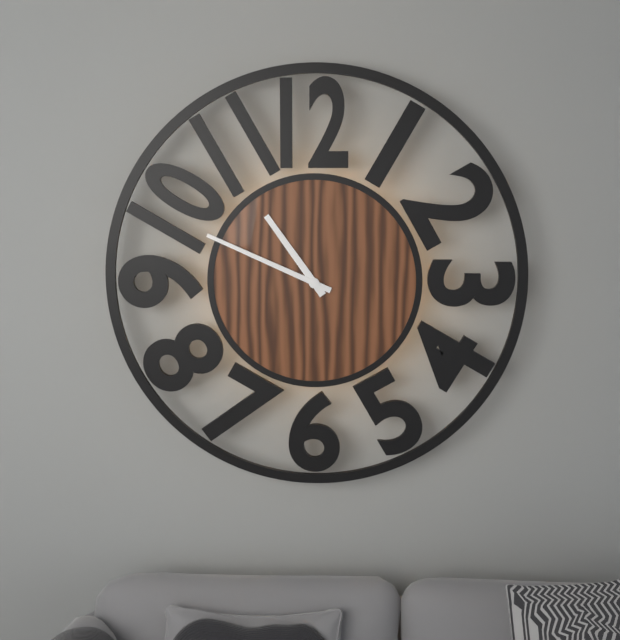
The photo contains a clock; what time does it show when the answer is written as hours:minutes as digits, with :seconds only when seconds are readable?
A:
10:49
